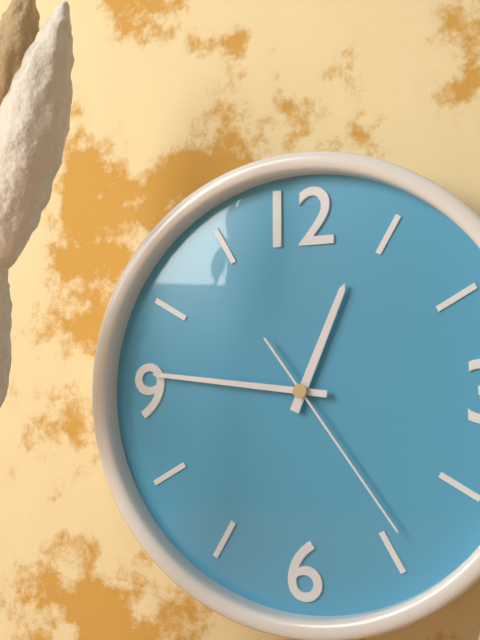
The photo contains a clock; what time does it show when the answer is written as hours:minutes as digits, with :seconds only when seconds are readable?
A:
12:46:24
